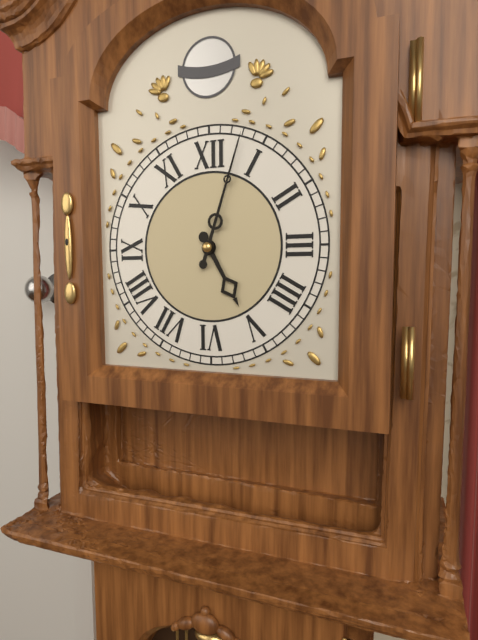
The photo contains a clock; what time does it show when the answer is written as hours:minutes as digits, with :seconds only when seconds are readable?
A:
5:03
